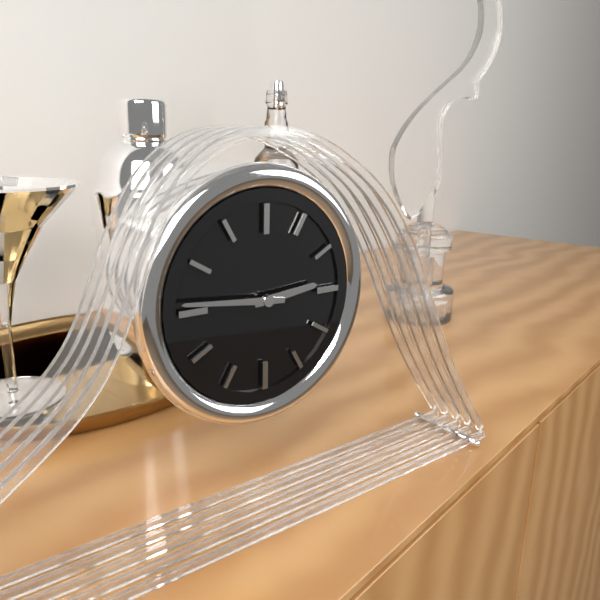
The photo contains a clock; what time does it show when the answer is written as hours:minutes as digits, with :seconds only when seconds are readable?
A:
2:46
